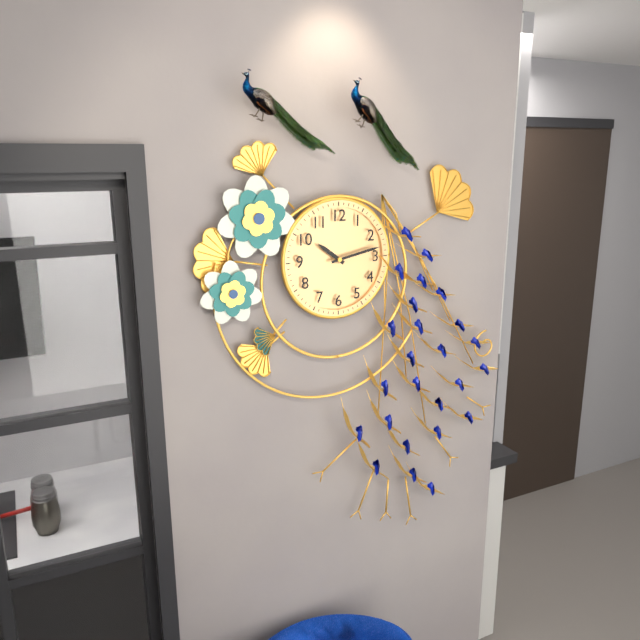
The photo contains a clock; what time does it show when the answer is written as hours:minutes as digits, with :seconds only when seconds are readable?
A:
10:13
